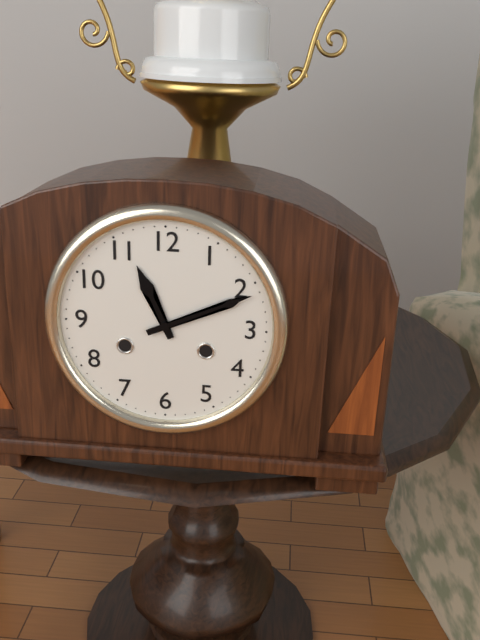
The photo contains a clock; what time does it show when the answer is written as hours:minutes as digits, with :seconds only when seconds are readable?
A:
11:11
